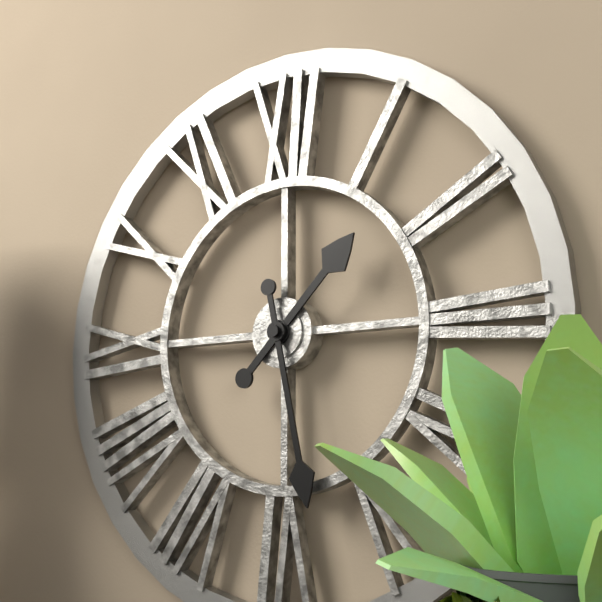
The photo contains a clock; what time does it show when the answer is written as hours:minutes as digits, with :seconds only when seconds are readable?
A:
1:28
